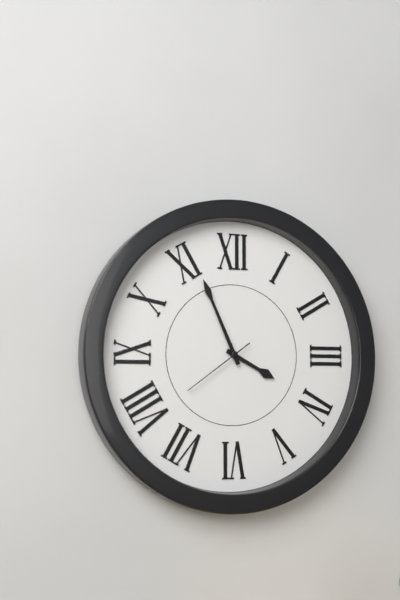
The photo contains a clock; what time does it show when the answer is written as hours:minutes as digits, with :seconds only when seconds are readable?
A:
3:56:39
